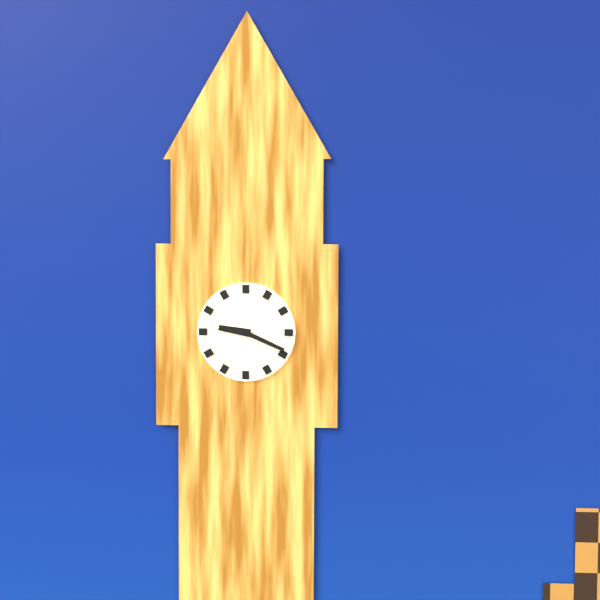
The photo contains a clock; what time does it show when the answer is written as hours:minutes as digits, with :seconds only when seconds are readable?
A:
9:19
